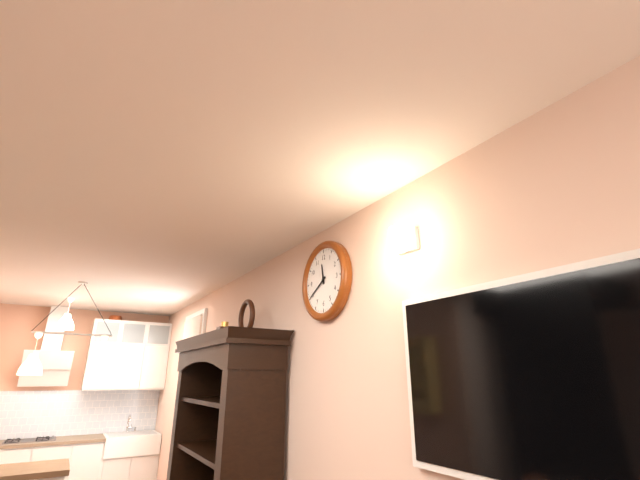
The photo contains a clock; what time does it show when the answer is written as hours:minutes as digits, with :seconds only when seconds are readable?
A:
11:40
